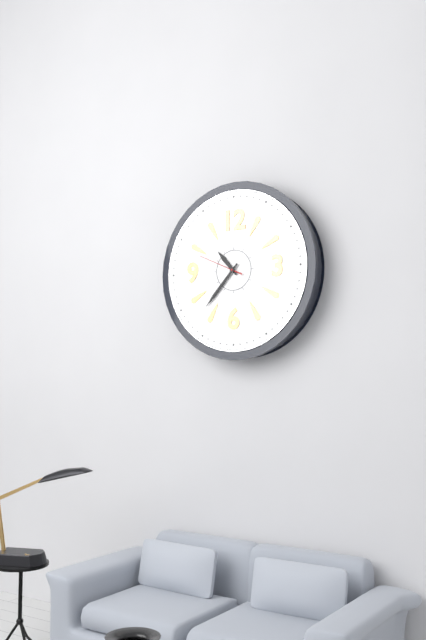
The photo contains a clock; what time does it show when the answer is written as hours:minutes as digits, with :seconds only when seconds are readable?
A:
10:37
